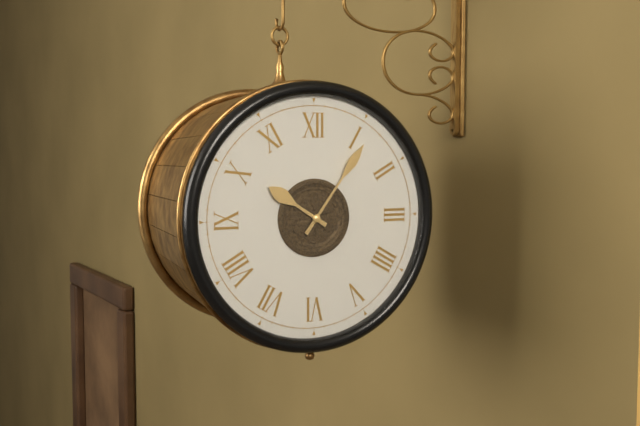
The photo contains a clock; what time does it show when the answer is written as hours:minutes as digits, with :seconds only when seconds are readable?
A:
10:06
